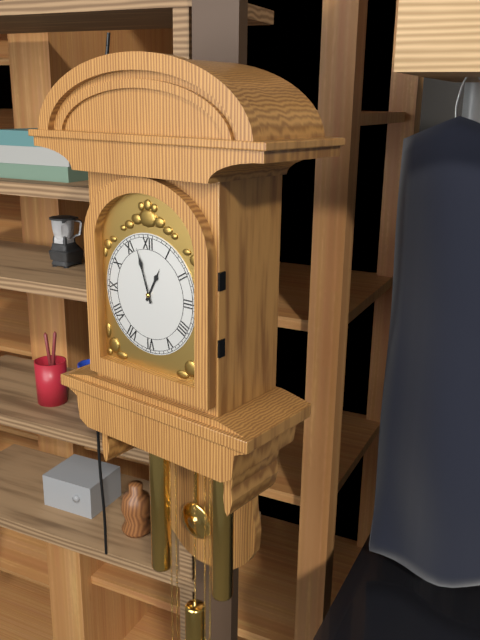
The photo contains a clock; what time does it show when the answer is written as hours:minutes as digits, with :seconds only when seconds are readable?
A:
12:57
